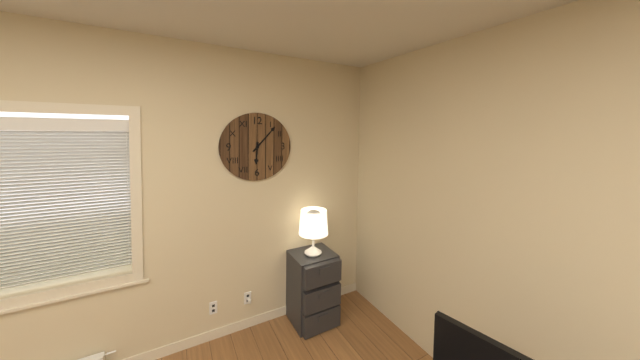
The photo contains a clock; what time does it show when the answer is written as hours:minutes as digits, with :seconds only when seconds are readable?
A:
6:07
